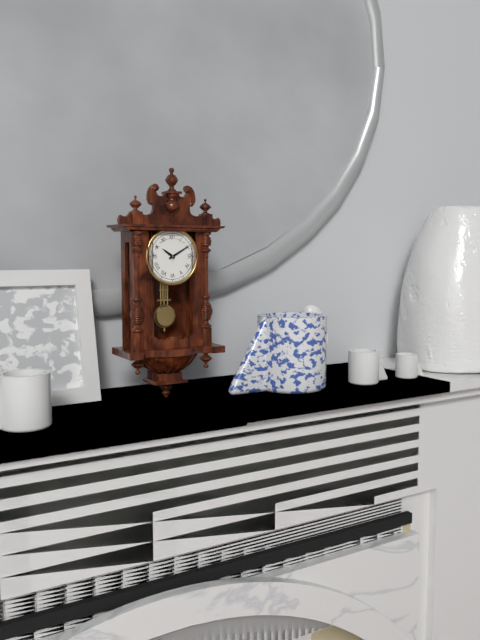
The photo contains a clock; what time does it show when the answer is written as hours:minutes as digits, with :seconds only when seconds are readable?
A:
10:10
